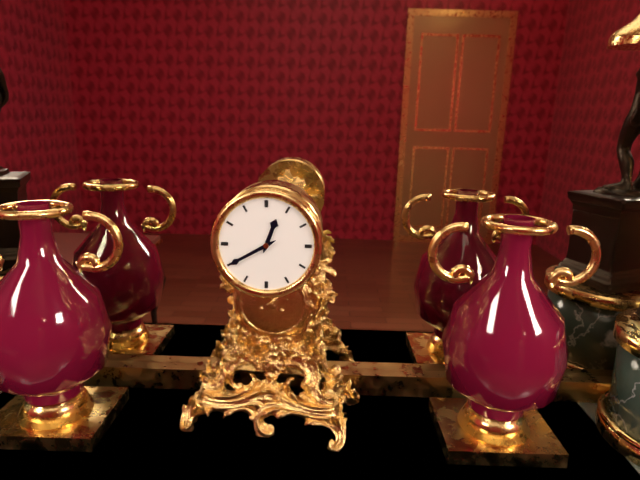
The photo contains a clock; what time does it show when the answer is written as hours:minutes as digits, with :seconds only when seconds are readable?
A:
12:40
